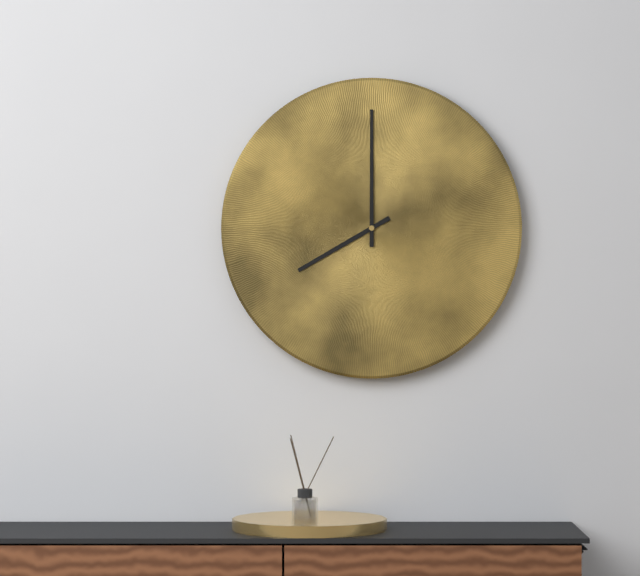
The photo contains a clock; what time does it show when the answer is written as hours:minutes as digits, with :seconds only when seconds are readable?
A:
8:00
